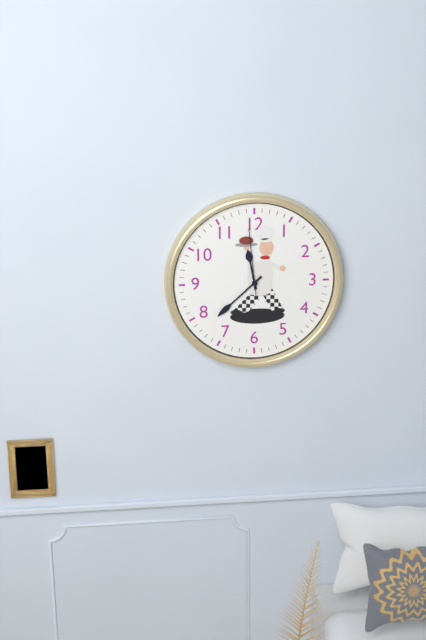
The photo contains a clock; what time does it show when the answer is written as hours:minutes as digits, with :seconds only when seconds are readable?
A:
11:38:59
